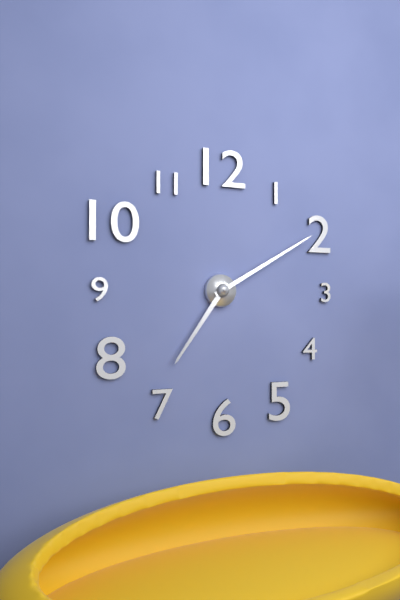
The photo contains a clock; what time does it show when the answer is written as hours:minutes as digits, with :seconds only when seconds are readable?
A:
7:10
